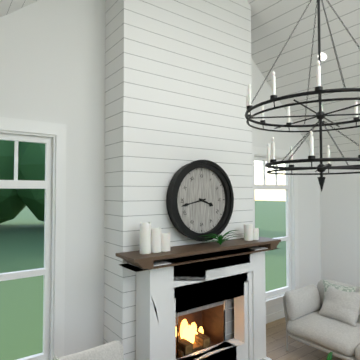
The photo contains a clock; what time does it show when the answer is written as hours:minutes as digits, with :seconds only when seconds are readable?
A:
3:43
